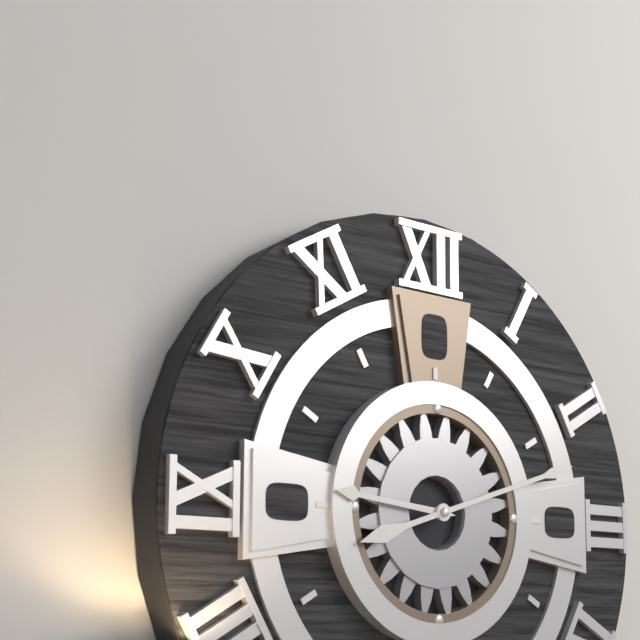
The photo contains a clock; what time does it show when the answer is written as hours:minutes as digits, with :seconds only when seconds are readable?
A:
9:12
